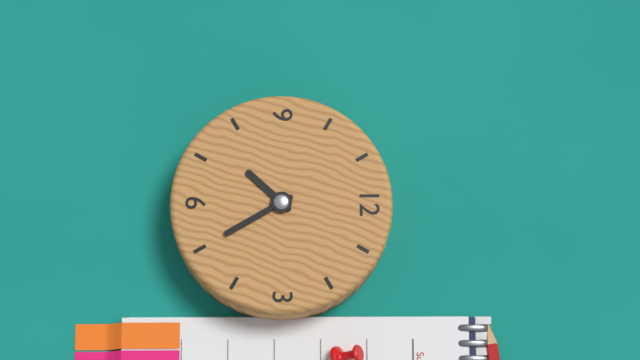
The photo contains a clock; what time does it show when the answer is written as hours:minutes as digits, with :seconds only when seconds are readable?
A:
7:25
